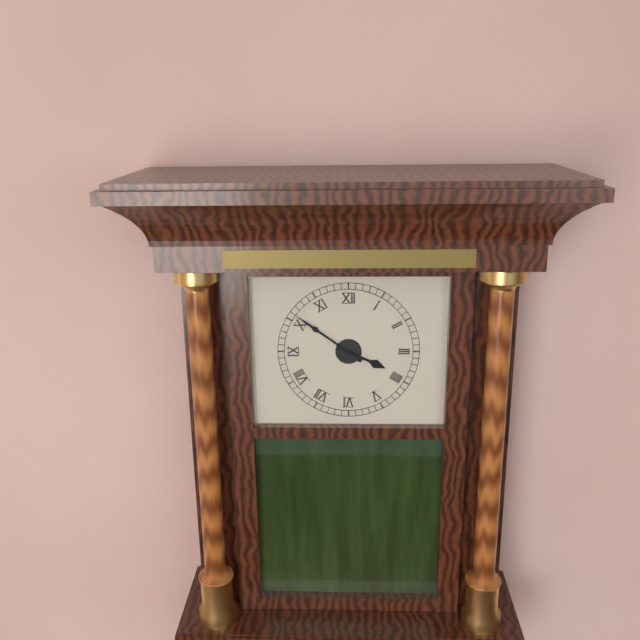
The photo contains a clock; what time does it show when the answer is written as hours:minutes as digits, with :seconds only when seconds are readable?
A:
3:51
